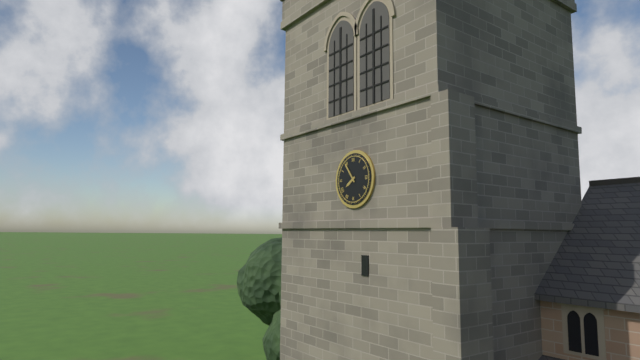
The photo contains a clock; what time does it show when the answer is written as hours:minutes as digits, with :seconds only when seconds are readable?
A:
7:54
